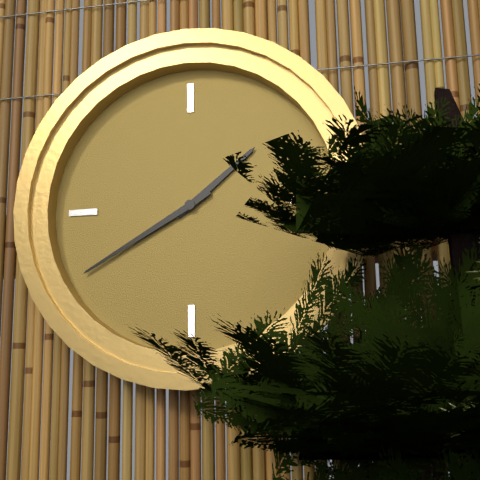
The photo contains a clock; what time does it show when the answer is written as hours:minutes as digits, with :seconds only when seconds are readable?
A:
1:40
